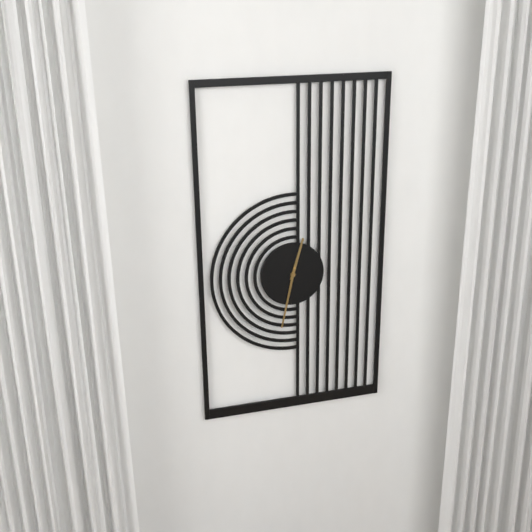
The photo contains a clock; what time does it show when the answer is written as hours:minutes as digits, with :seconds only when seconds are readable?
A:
12:32
